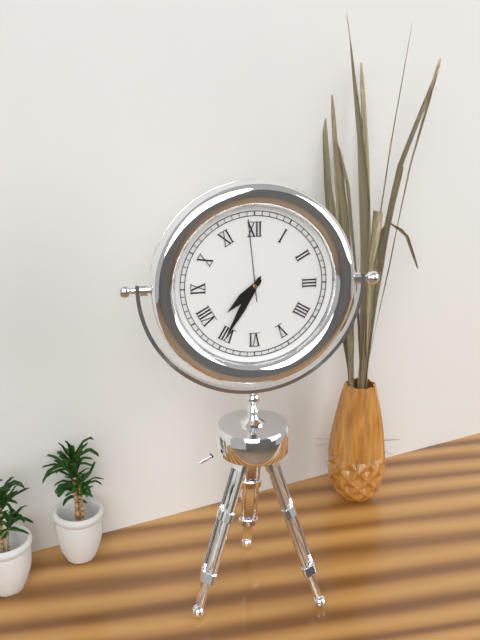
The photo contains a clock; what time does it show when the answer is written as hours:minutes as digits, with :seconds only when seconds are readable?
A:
7:35:59
